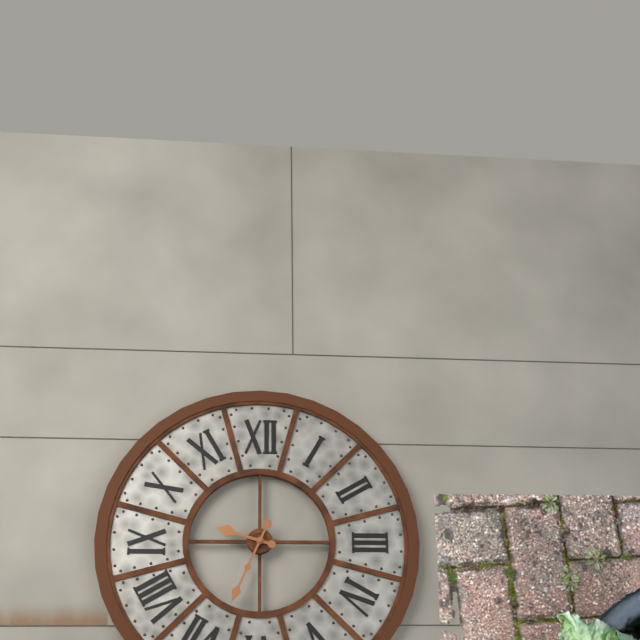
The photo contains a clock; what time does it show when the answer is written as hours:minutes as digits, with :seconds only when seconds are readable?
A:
9:34
